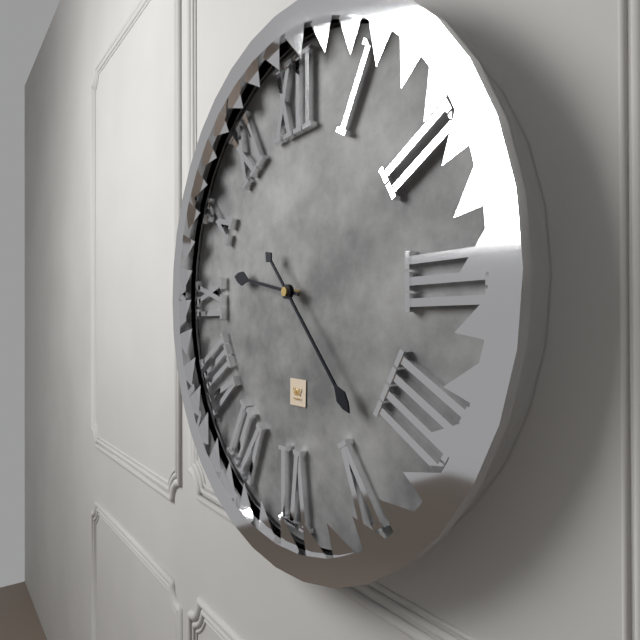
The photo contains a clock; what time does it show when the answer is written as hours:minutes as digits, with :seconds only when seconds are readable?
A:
9:23
